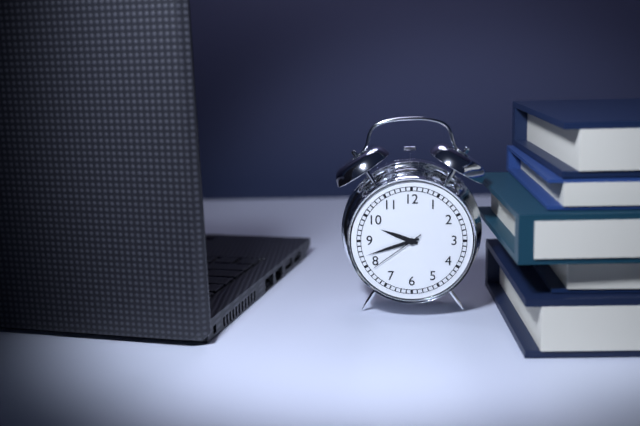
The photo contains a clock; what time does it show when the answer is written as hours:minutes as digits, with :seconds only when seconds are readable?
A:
9:42:39
